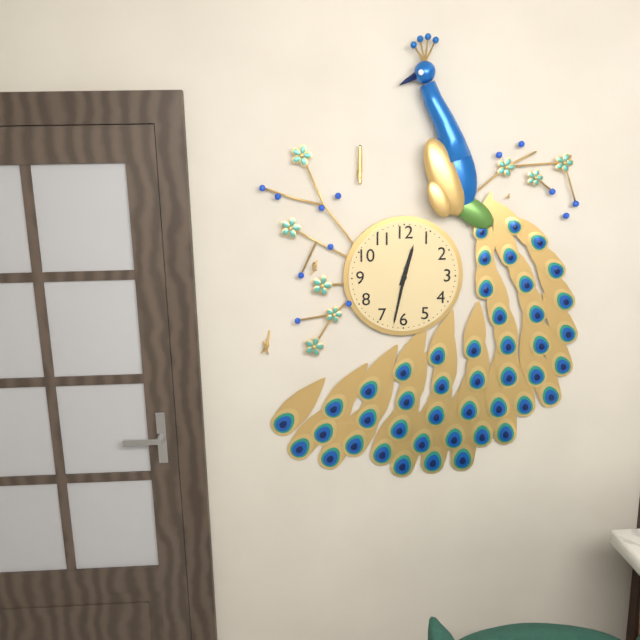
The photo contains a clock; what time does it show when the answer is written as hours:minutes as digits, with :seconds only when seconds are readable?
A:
12:32
